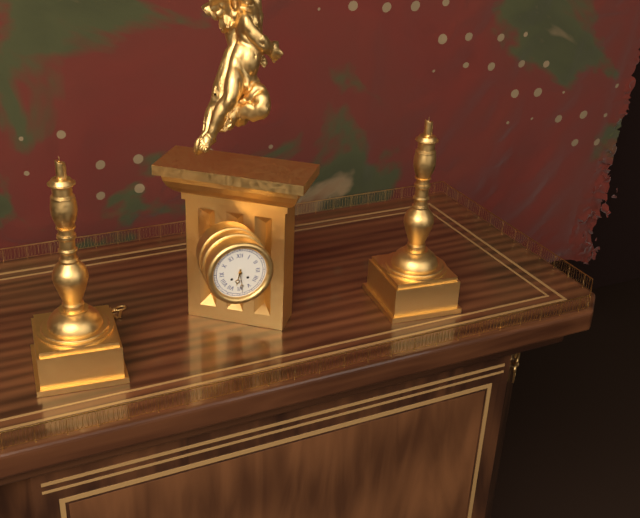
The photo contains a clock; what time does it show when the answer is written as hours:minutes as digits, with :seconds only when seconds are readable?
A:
6:29
